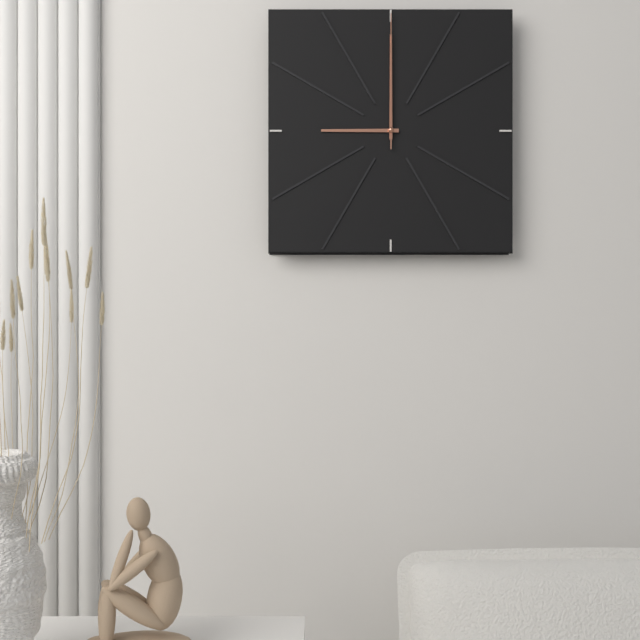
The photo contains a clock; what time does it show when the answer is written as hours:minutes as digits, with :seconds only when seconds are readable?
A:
9:00:00
